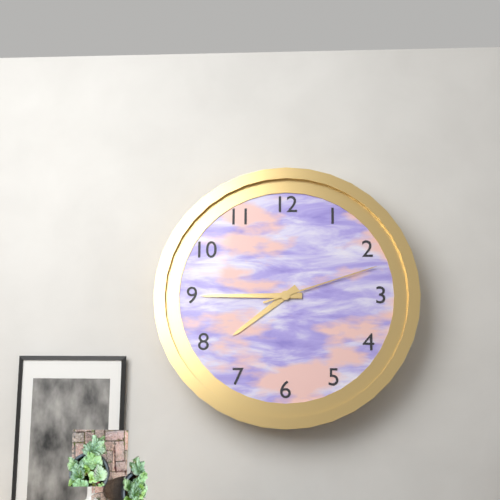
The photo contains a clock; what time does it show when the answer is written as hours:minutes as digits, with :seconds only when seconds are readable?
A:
7:45:12
